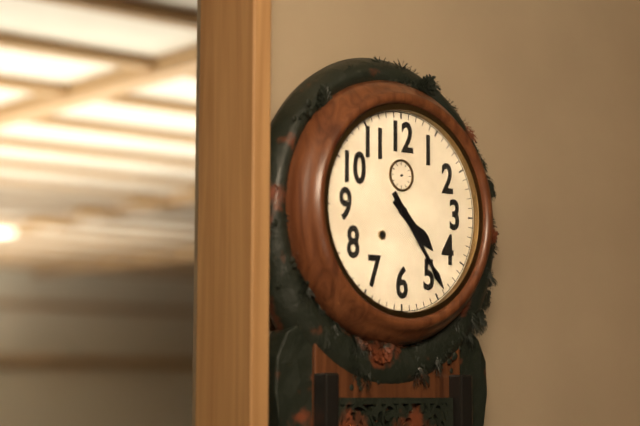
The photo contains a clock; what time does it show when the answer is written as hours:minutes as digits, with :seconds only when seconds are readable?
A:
4:24
